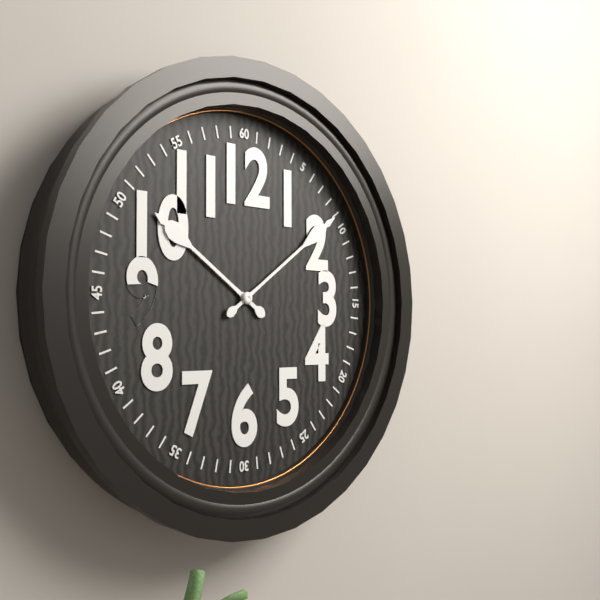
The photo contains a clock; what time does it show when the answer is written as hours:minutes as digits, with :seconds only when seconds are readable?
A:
10:09
